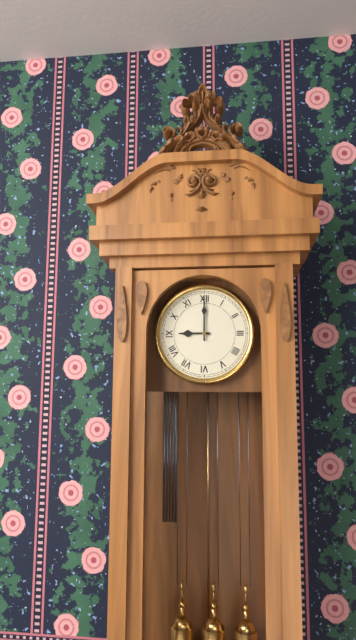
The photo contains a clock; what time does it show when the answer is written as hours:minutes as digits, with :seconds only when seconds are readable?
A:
9:00
